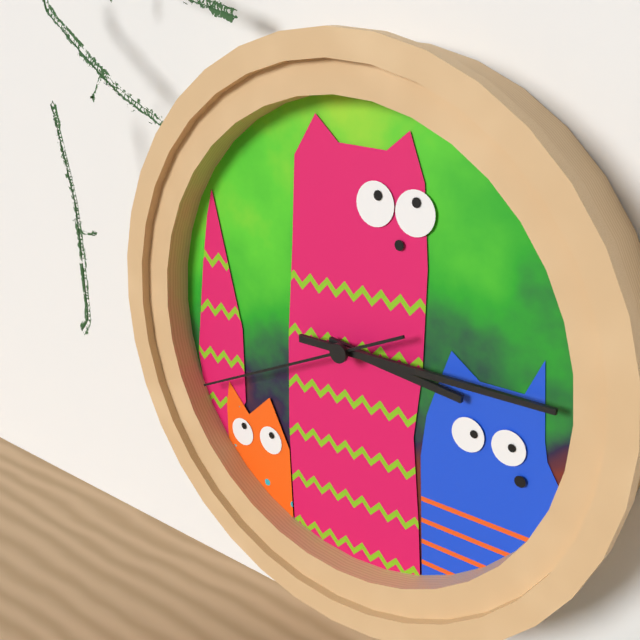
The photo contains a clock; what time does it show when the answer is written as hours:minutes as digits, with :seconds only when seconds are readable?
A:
3:15:41
